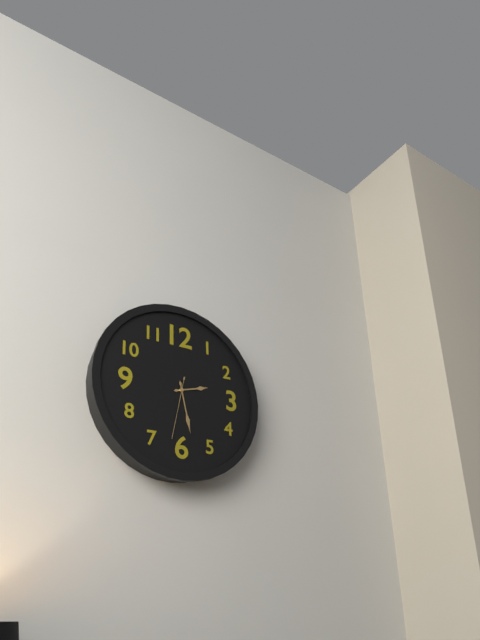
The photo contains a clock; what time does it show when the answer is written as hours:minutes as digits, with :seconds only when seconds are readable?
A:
2:28:32
